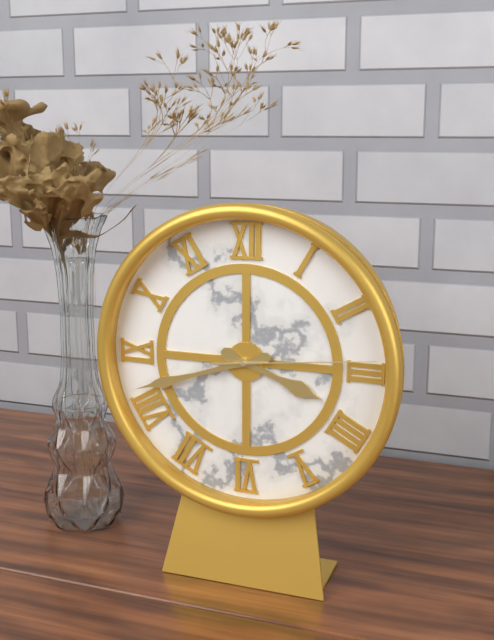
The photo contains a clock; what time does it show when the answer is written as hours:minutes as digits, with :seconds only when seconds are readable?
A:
3:42:14
